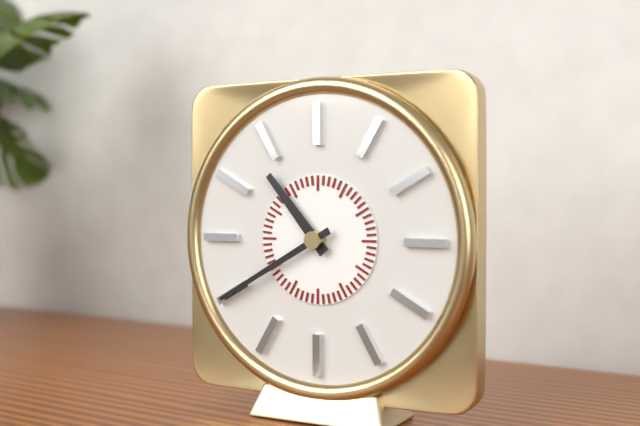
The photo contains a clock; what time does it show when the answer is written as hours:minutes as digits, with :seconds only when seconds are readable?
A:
10:40
